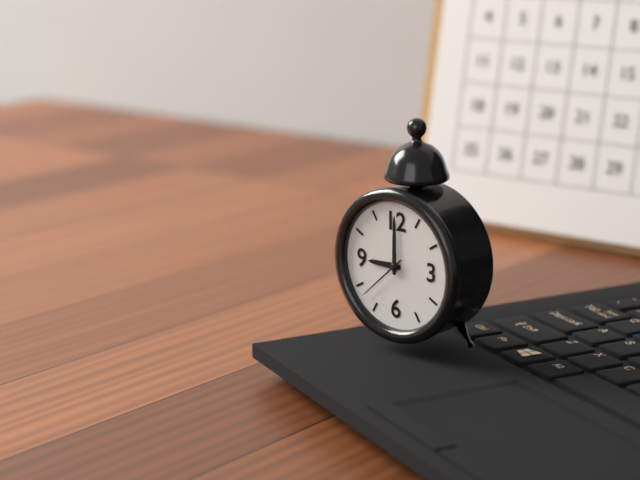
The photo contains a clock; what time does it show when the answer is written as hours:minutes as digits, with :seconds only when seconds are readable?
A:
9:00:38
